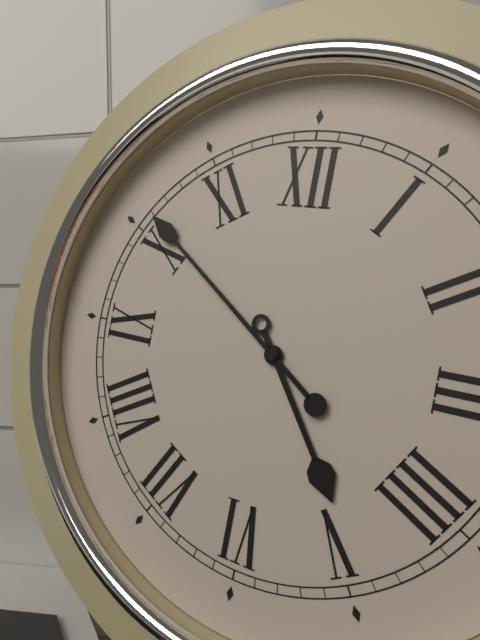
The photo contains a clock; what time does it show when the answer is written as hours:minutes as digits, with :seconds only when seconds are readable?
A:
4:51
